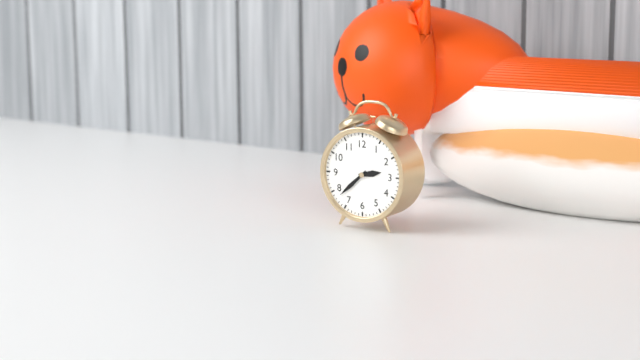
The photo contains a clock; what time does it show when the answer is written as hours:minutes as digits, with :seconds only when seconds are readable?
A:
2:38
